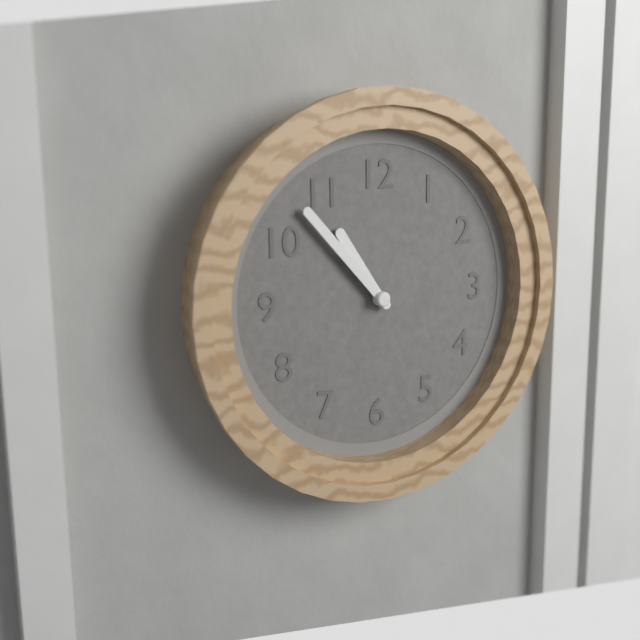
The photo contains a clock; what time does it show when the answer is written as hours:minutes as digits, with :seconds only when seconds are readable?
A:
10:53
